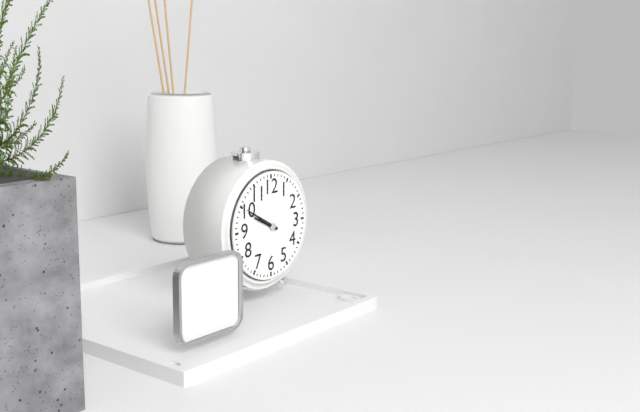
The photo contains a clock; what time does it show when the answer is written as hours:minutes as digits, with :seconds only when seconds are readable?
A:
9:50
